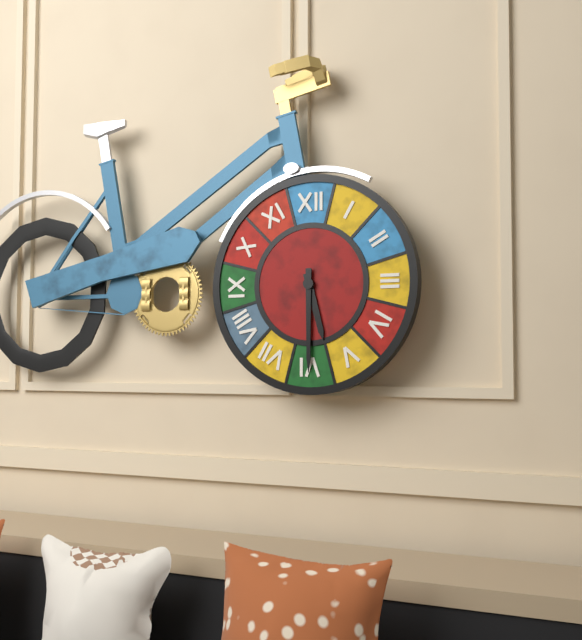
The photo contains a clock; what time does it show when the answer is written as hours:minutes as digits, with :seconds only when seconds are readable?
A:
5:30
